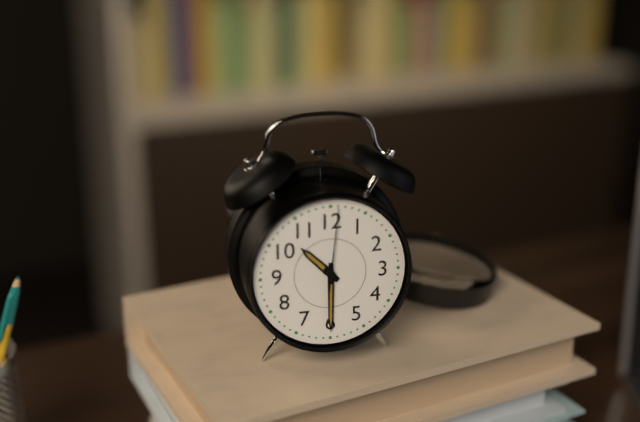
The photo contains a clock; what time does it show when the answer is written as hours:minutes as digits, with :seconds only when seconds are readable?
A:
10:30:01
